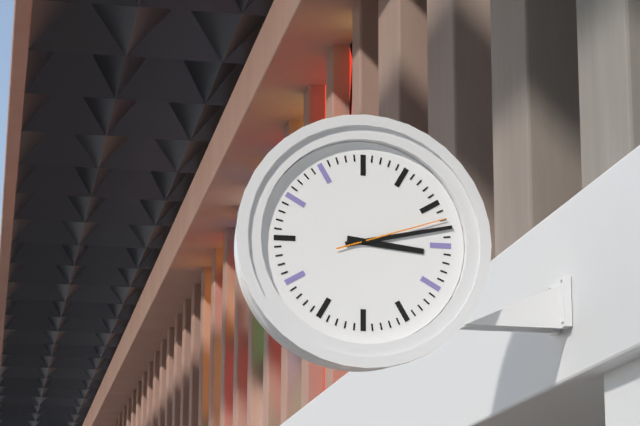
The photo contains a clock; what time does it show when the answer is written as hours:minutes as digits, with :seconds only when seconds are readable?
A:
3:13:12
